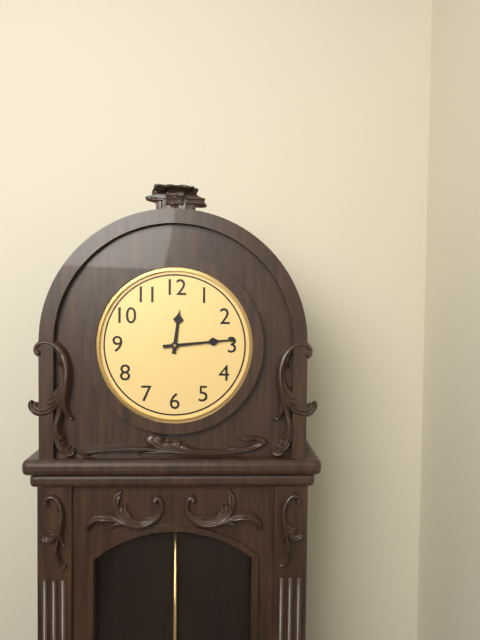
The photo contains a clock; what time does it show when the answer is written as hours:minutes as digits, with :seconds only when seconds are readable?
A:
12:14
